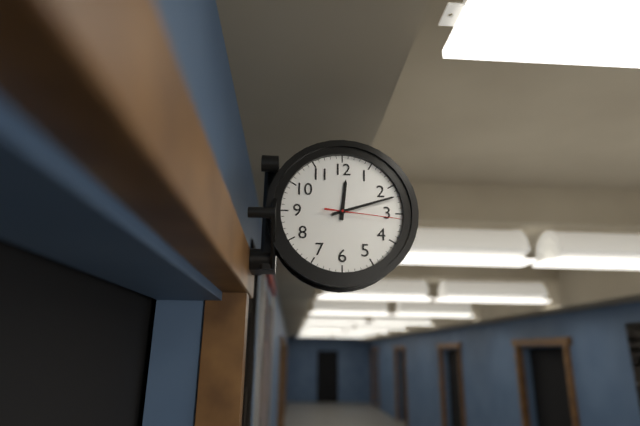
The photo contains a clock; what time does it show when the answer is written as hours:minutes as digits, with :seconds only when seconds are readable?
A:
12:12:16
